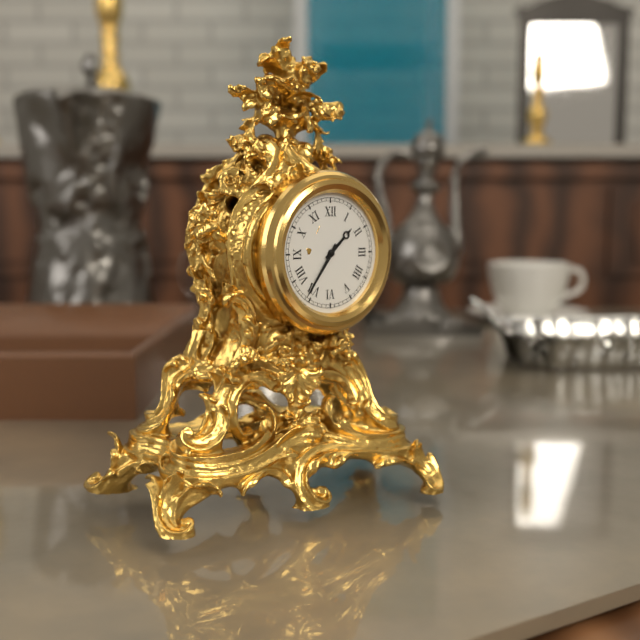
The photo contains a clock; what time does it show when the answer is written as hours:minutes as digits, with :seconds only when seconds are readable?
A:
1:36
